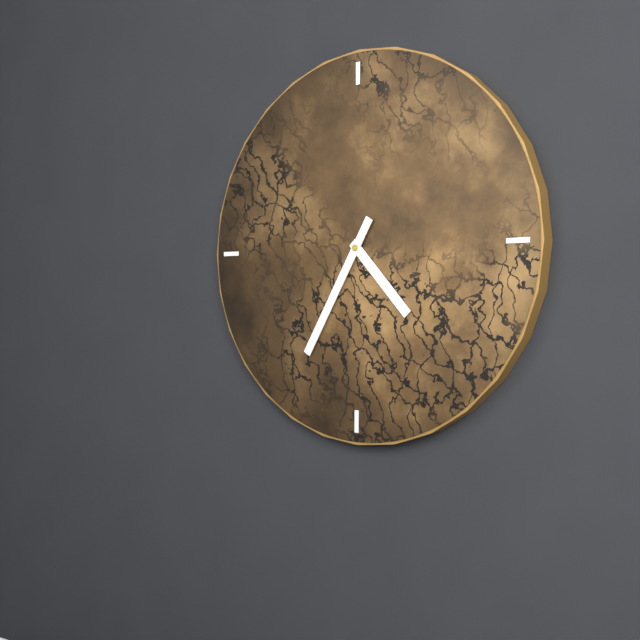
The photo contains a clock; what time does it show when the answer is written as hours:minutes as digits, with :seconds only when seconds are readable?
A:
4:35
